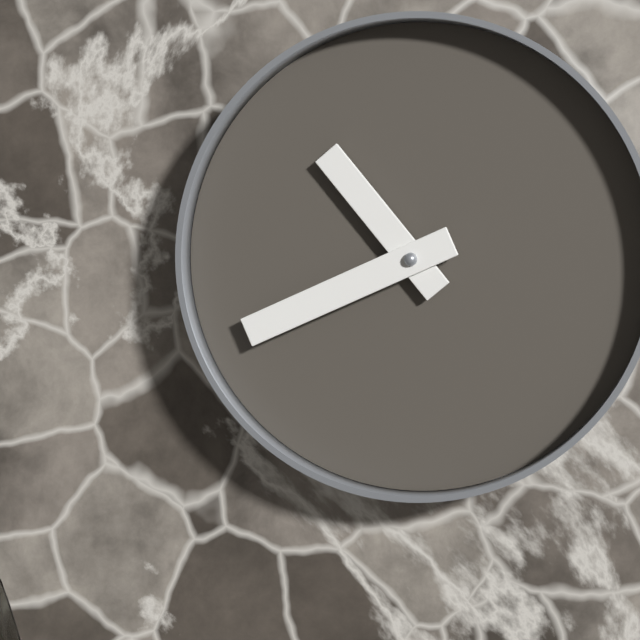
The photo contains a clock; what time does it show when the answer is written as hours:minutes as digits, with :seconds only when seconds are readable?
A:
10:41
